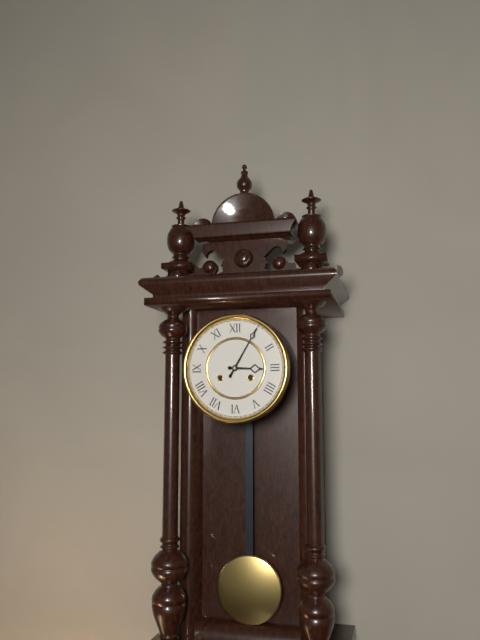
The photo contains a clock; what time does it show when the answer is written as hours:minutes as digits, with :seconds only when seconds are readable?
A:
3:05
